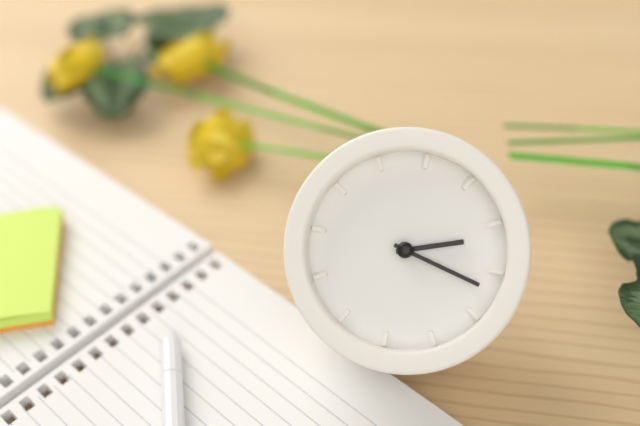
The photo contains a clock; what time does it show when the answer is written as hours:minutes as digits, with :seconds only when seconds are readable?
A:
2:17
